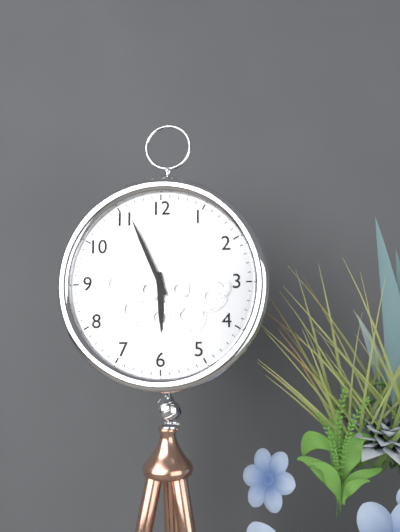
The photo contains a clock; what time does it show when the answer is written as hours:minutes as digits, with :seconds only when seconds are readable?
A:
5:56
